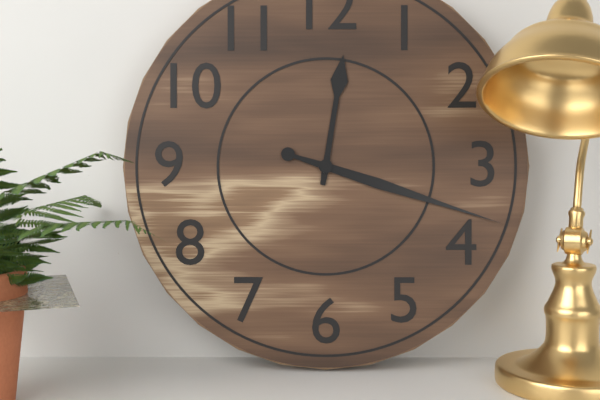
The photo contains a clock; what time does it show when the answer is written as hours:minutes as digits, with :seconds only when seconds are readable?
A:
12:18
